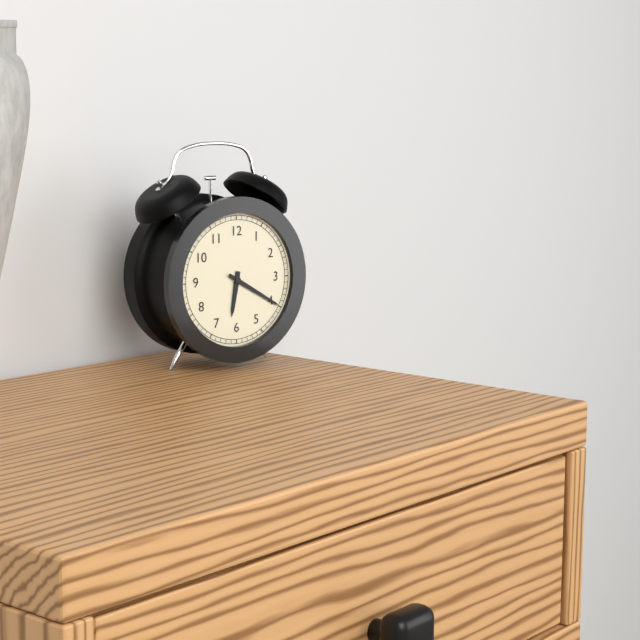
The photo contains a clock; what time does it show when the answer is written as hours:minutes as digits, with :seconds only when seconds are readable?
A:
6:20
